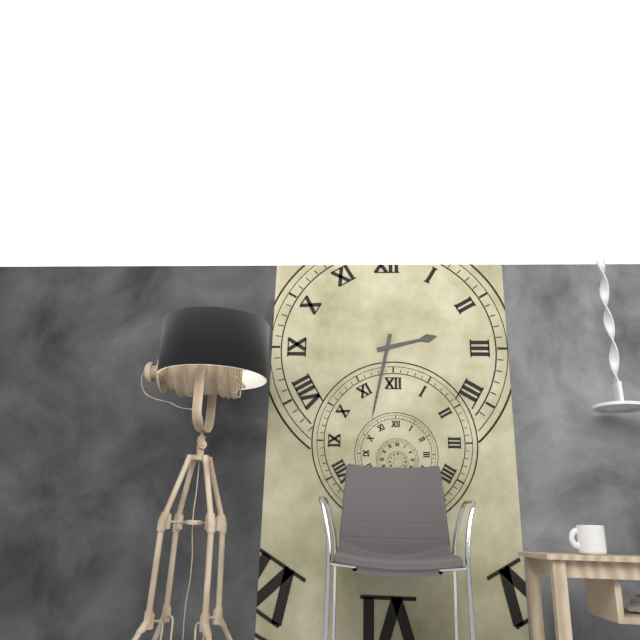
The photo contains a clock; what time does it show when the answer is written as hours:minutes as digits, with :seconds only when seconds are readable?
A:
2:32
